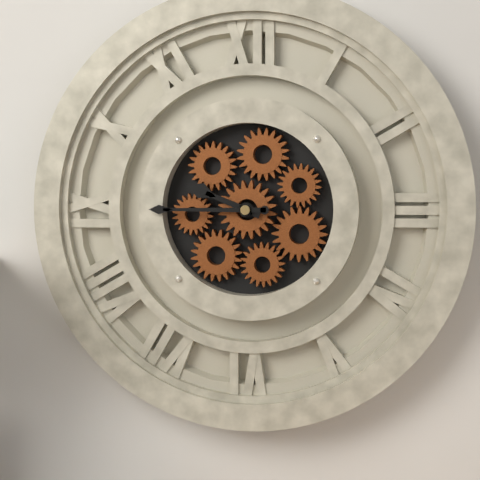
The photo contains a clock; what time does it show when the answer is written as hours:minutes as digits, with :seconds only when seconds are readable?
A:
9:45
